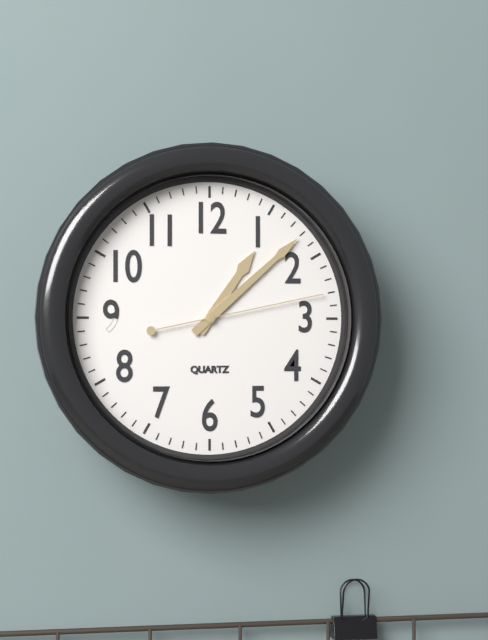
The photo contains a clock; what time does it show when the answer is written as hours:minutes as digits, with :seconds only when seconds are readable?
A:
1:08:13
